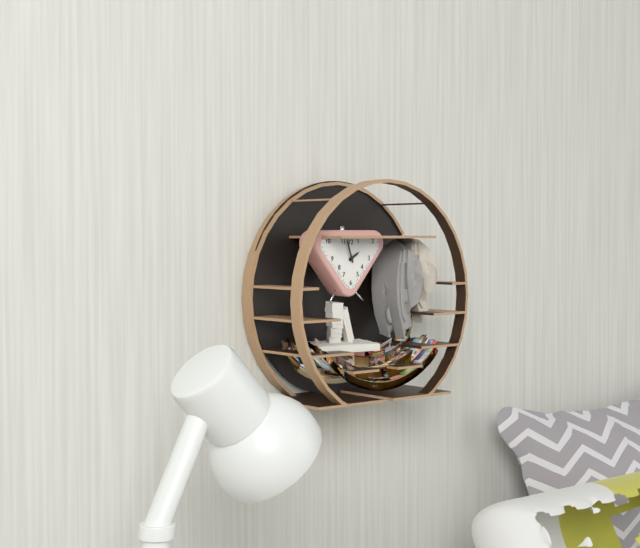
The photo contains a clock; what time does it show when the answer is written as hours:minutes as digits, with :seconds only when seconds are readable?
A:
1:57
